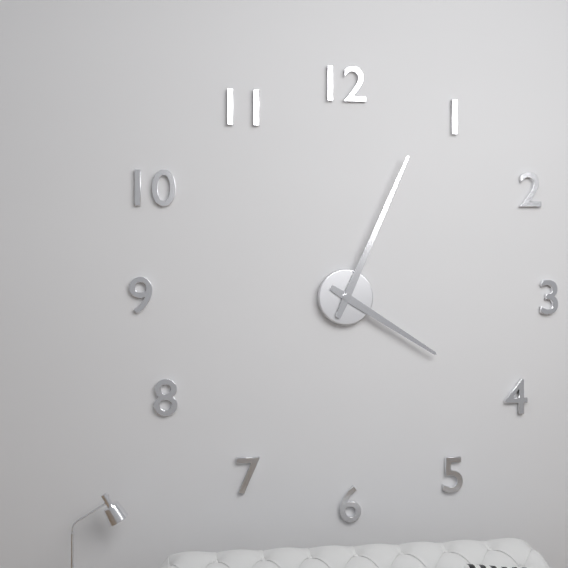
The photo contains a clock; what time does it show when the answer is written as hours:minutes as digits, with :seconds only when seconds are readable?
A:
4:04
